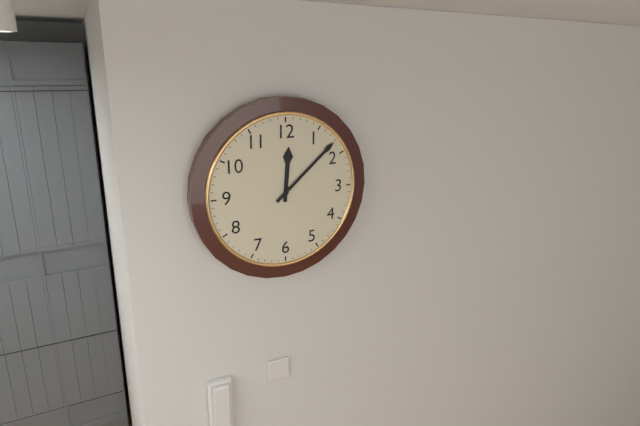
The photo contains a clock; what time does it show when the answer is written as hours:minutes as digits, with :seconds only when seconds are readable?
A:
12:08
